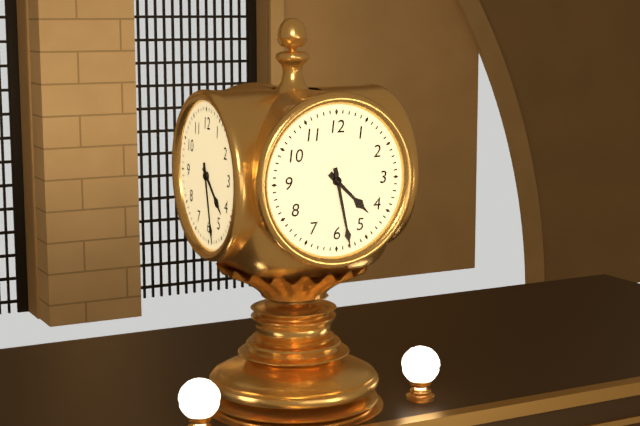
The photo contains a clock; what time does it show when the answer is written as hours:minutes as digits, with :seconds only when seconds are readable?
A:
4:28
